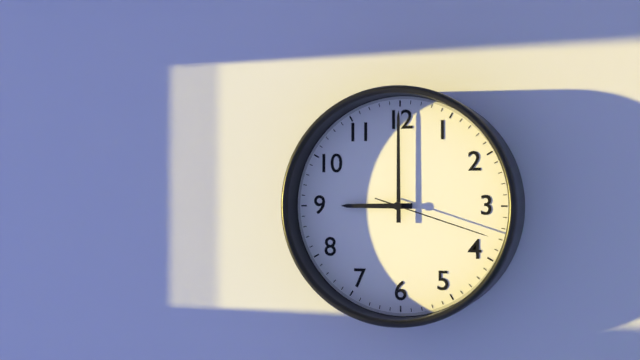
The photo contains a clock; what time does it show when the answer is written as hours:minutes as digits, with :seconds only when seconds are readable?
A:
9:00:18
